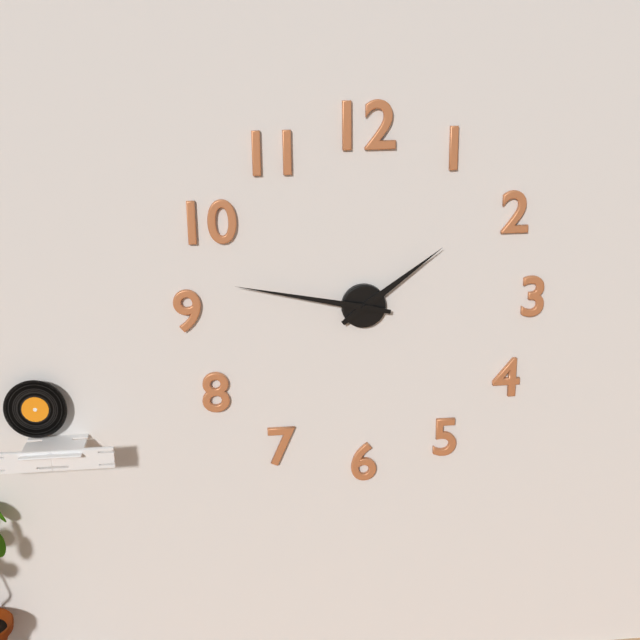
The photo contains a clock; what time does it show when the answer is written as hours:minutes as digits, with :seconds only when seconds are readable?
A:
1:47
